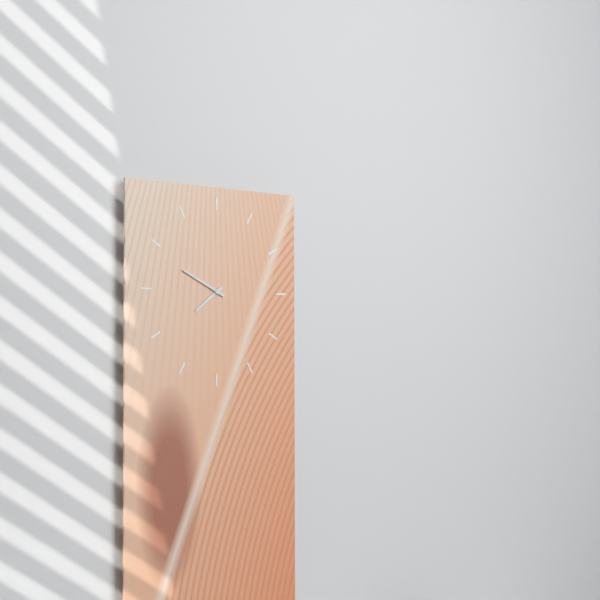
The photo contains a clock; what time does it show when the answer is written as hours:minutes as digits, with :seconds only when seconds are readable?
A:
7:49
